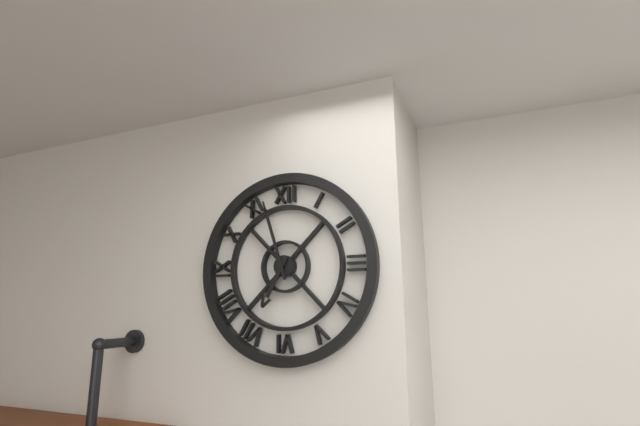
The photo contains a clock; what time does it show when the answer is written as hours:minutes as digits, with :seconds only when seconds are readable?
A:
6:57
